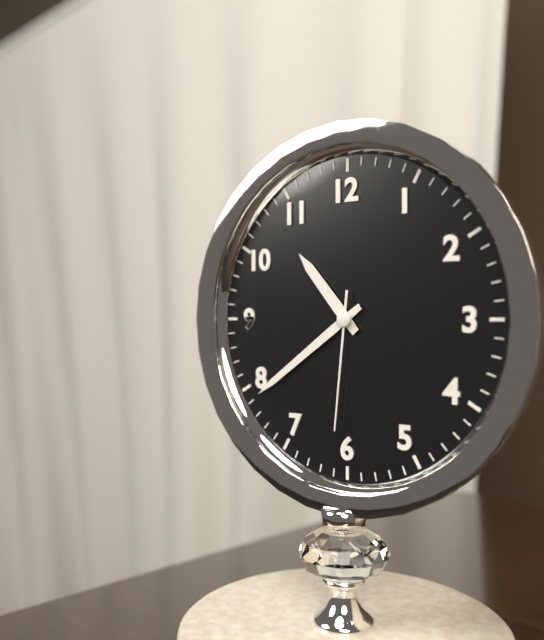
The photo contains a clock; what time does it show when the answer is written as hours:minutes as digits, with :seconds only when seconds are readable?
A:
10:39:31
